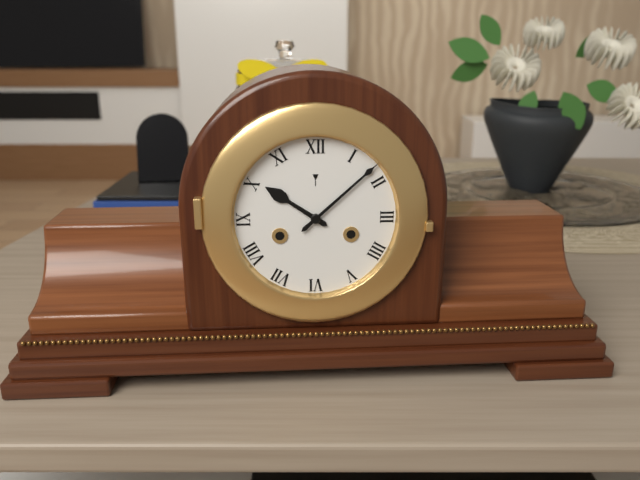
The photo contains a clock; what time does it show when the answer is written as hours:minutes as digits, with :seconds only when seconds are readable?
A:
10:08
